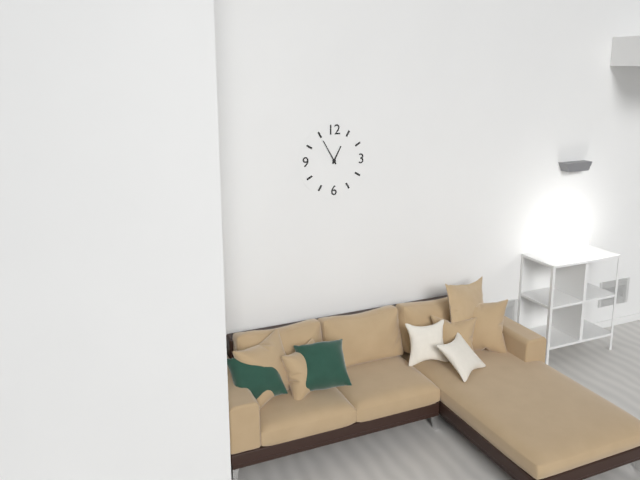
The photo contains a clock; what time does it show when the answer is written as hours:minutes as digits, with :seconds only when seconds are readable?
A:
12:55
